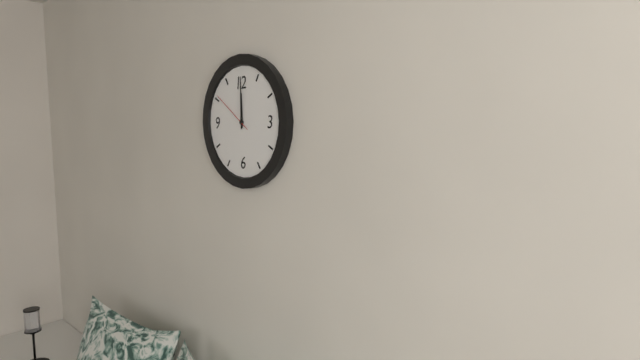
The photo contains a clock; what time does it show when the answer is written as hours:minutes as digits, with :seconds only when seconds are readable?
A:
12:00
